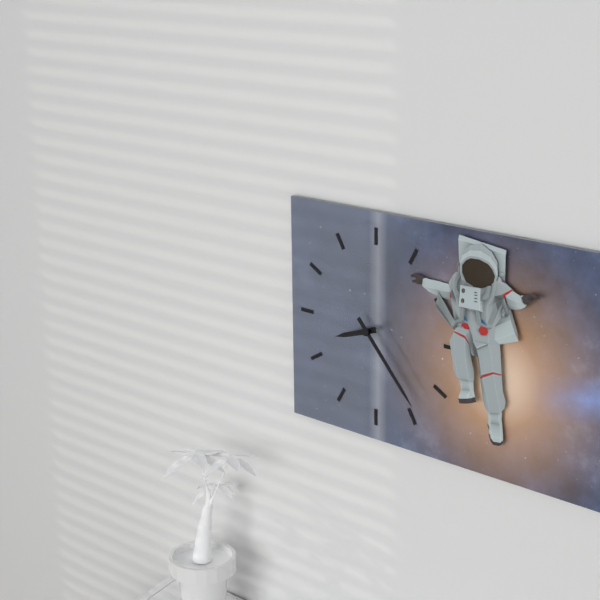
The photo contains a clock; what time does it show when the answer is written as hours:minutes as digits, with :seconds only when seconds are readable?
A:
8:23
